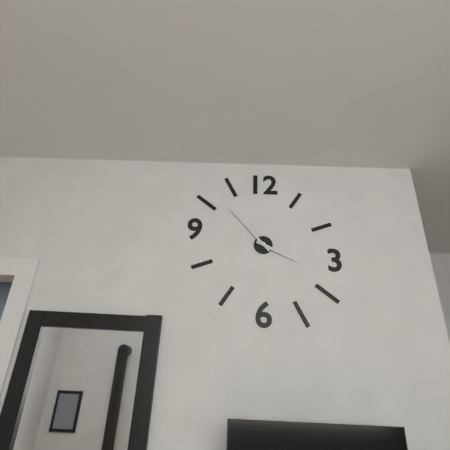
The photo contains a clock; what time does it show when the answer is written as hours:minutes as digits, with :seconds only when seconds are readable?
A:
3:53
